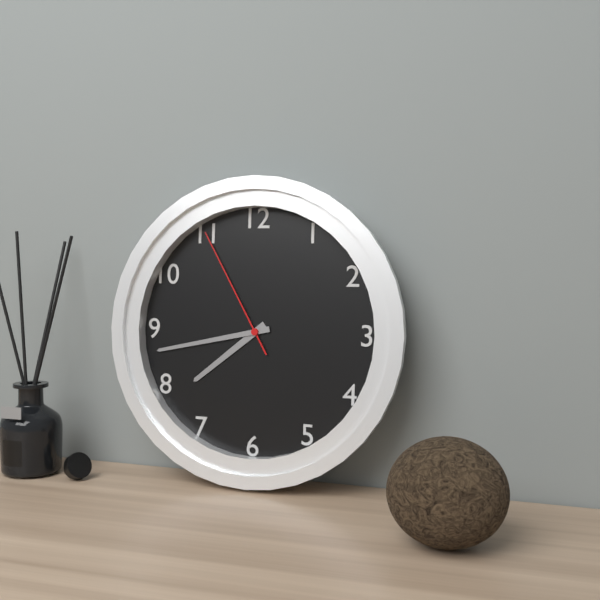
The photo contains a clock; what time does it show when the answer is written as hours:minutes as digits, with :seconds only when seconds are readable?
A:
7:43:55
